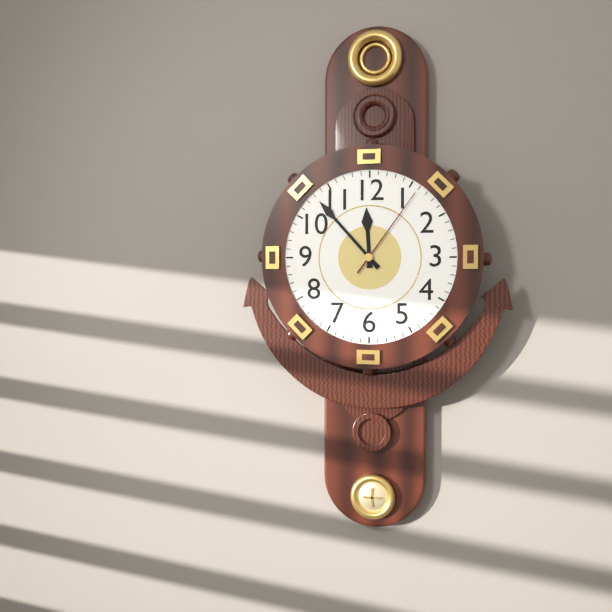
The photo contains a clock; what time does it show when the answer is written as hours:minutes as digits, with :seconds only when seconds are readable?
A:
11:53:06
